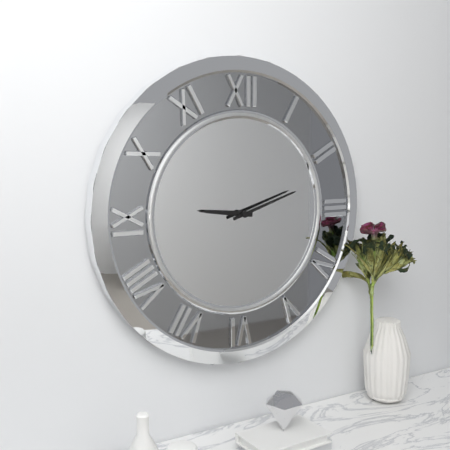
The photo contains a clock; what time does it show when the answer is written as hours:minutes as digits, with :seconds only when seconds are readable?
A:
9:12
